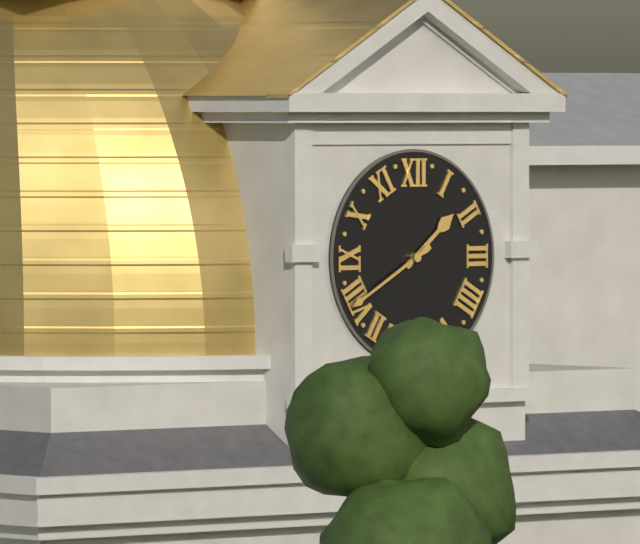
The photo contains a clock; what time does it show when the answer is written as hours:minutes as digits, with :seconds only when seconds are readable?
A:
1:40
